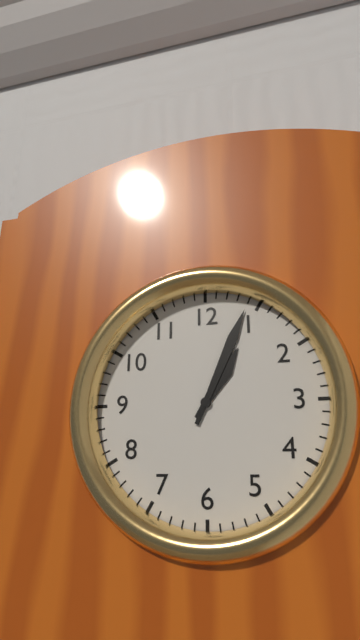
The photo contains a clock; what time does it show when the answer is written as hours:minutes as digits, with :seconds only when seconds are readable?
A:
1:04
